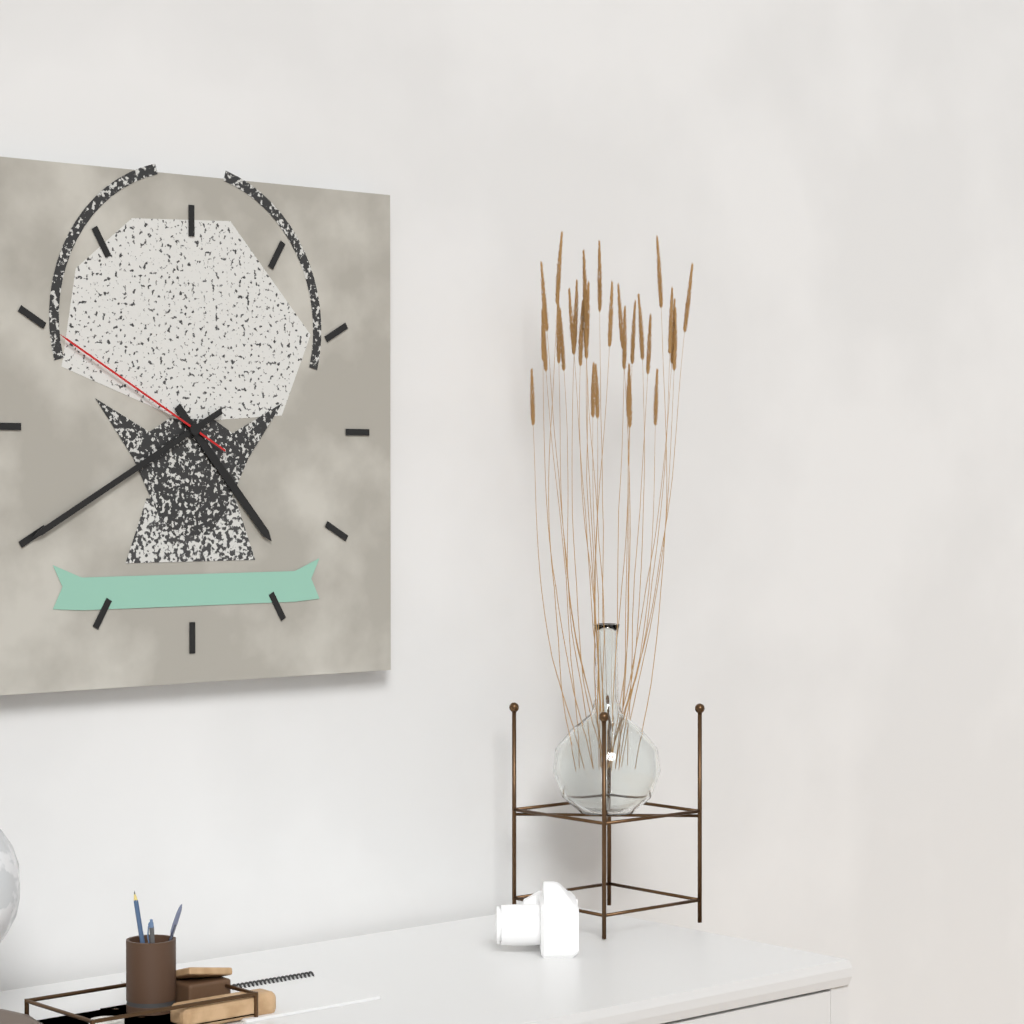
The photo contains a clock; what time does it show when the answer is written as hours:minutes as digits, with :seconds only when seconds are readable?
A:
4:40:50
